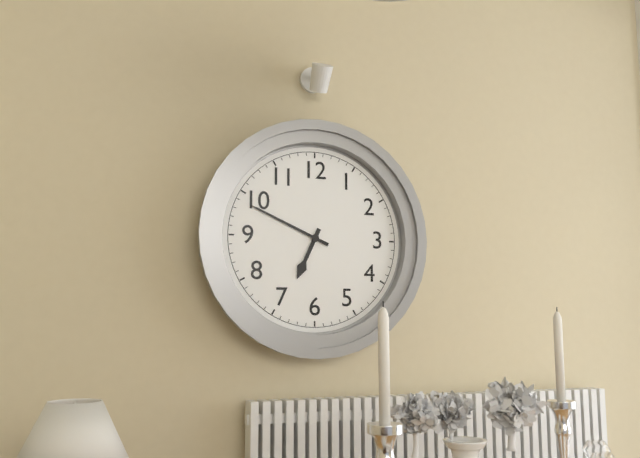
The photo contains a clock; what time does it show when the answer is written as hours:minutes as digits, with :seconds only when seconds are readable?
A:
6:49
